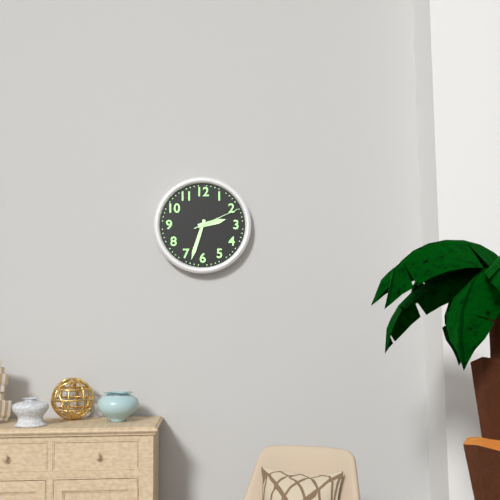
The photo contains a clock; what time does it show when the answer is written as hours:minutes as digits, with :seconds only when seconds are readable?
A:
2:33
